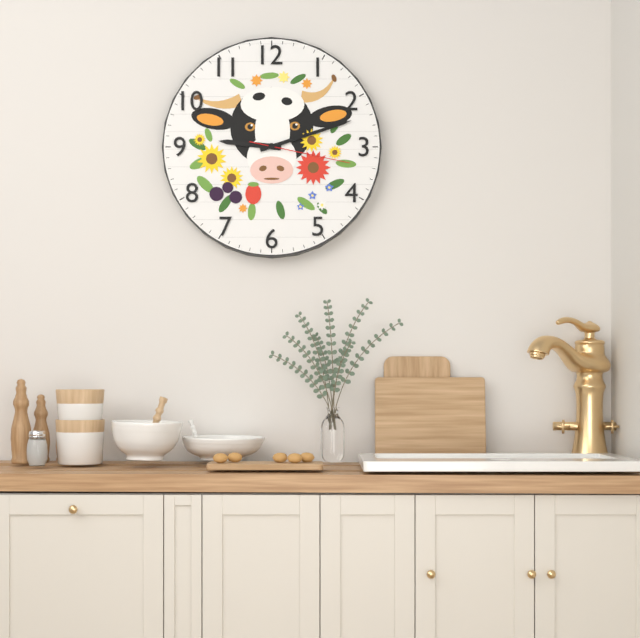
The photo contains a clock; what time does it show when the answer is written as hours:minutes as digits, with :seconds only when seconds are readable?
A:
9:12:17
